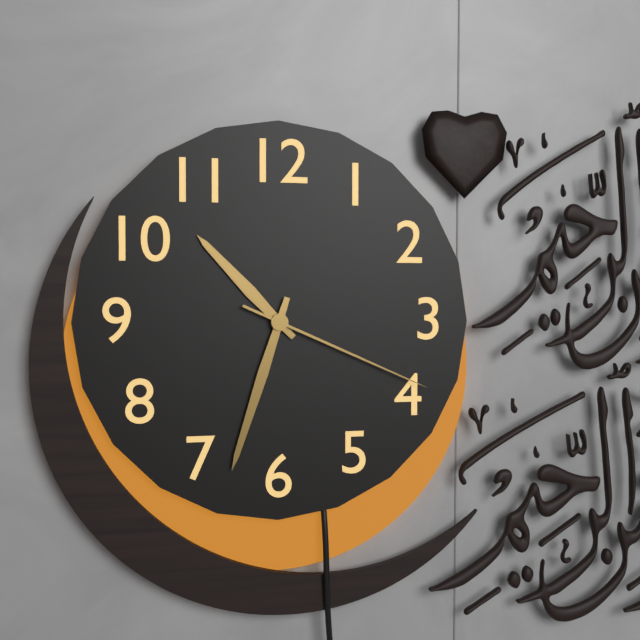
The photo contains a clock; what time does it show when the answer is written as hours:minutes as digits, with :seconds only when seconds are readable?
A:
10:33:19
